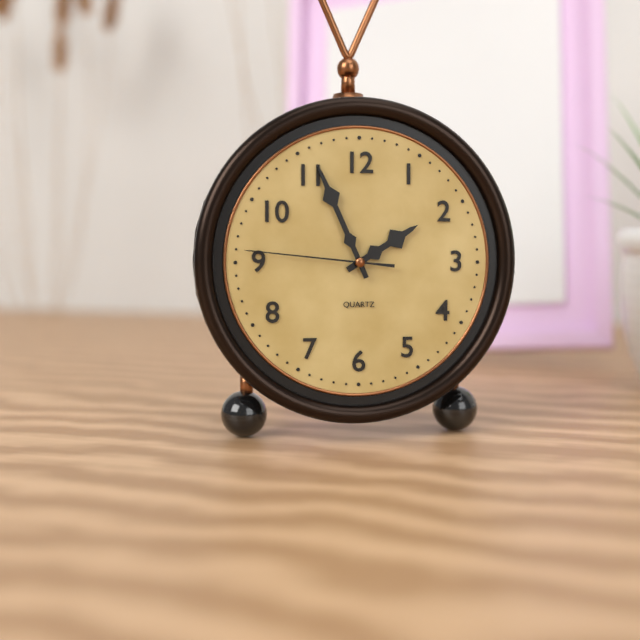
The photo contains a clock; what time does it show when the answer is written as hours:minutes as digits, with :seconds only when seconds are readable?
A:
1:56:46
